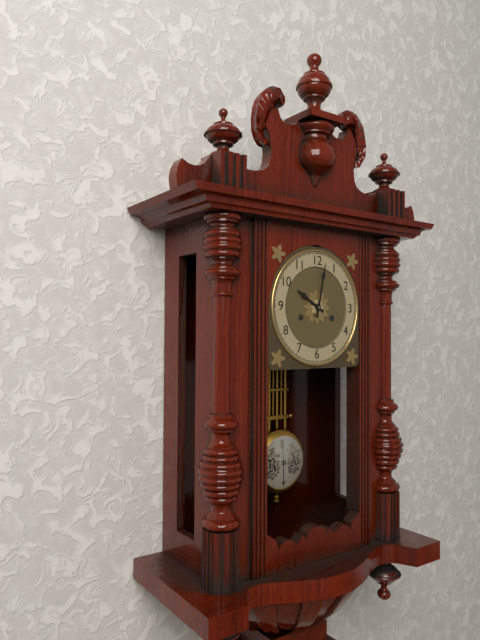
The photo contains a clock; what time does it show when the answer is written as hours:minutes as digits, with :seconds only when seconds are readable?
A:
10:02
